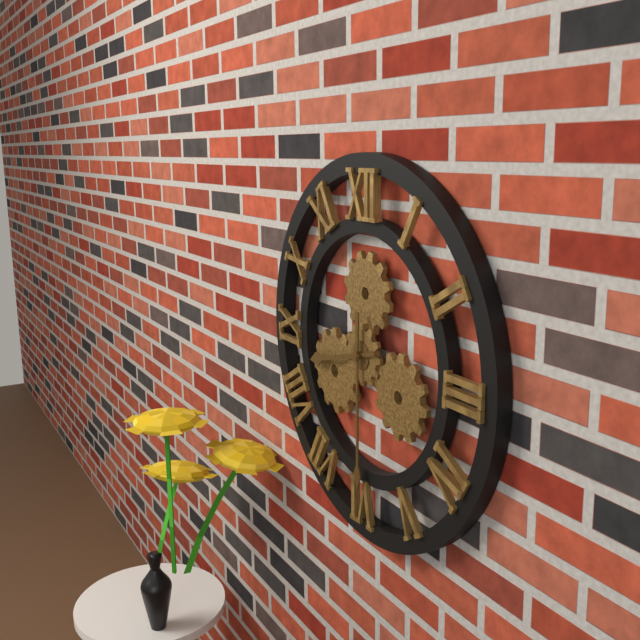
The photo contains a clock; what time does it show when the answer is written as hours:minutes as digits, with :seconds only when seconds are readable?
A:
8:30
